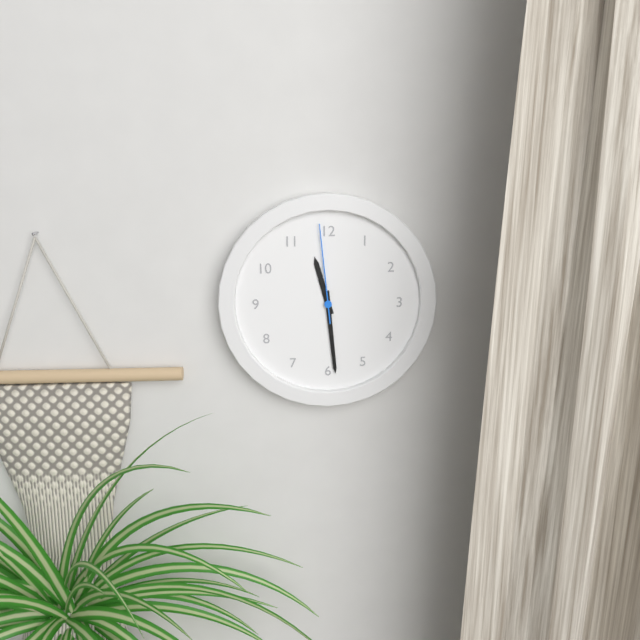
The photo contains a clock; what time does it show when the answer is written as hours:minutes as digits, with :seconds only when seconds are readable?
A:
11:29:59
